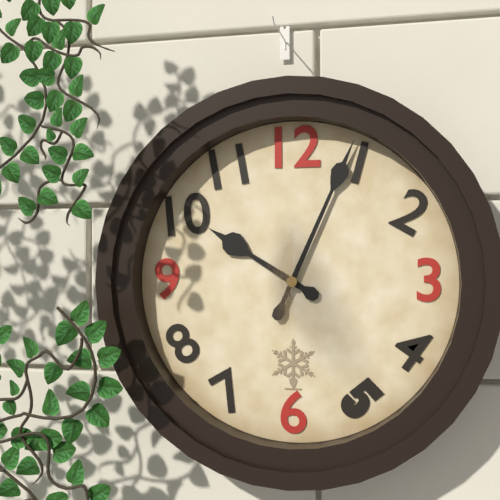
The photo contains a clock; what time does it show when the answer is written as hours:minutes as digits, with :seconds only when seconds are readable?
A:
10:04
